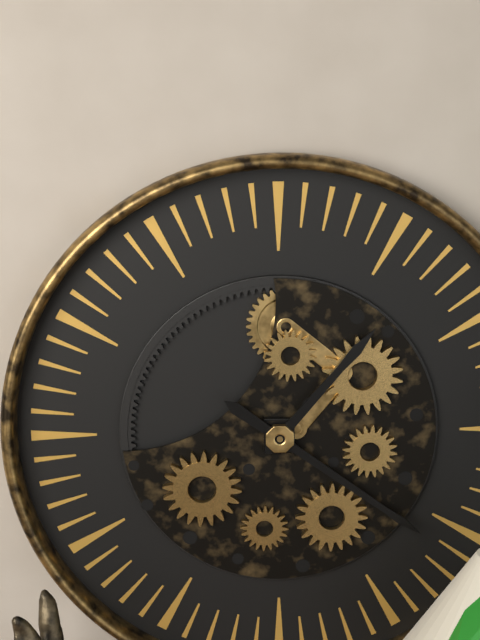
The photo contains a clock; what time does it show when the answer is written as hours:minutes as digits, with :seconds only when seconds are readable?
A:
1:21
